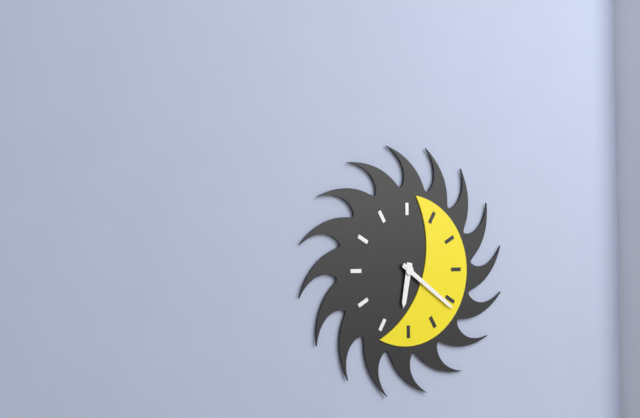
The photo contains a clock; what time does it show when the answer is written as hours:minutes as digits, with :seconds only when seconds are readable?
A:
6:21
